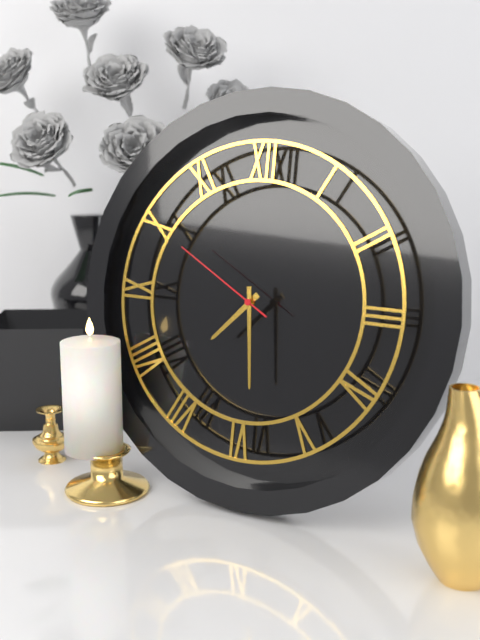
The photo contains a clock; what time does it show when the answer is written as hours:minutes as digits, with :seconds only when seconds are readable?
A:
7:29:50
